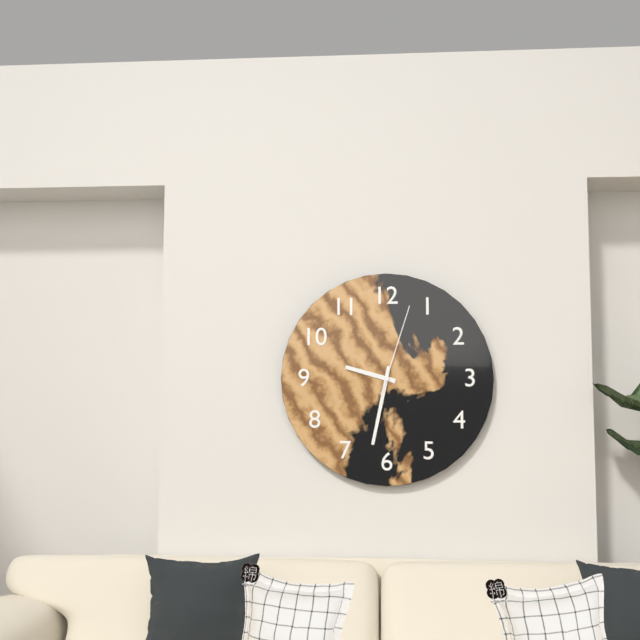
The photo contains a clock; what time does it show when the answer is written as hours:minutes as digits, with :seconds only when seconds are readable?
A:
9:32:03
